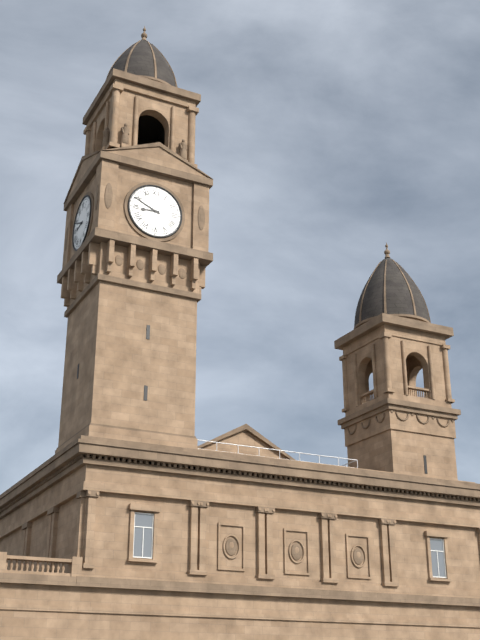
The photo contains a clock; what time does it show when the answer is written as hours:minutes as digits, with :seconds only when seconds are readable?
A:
8:49
